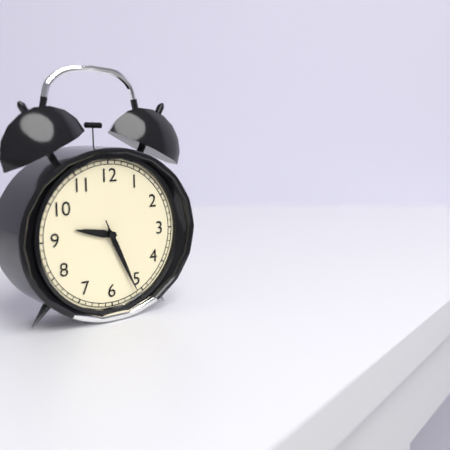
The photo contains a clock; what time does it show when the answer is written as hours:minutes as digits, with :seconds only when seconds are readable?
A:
9:26:26
